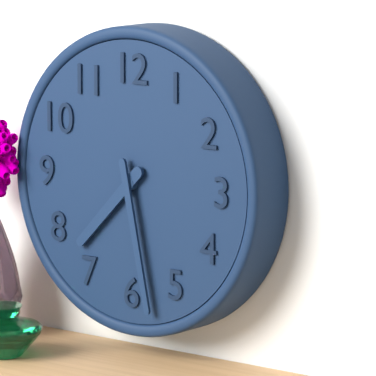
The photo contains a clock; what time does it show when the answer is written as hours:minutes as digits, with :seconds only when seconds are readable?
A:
7:28
